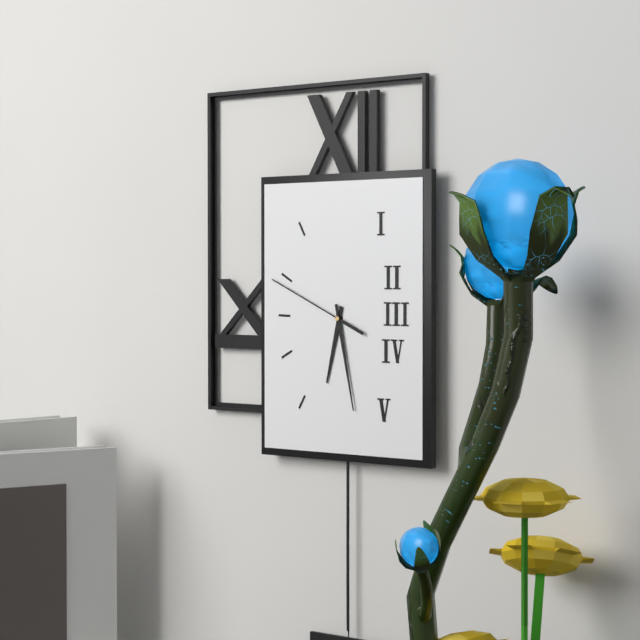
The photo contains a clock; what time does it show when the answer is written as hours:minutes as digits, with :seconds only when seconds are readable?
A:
6:28:49
